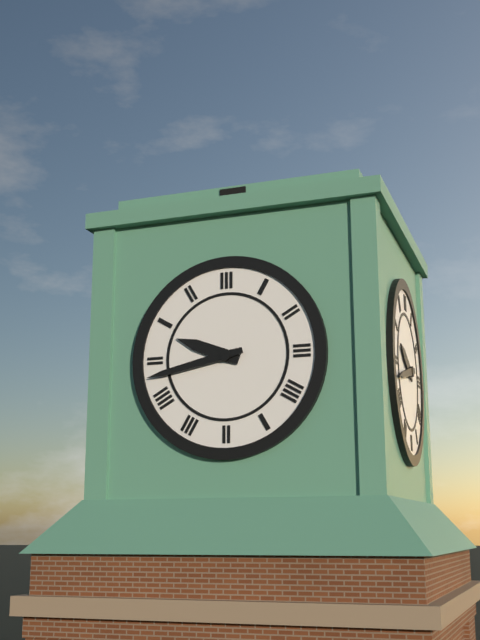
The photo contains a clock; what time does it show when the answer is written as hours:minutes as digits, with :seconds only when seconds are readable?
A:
9:43
